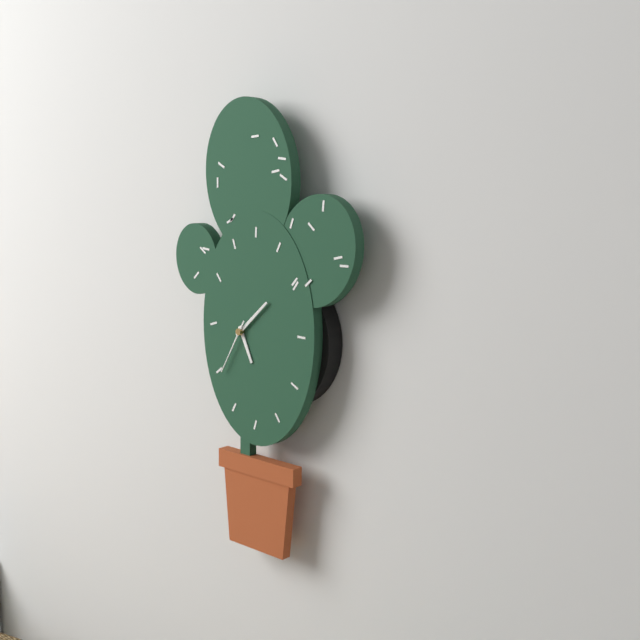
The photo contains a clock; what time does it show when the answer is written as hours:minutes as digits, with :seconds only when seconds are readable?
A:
5:08:35
